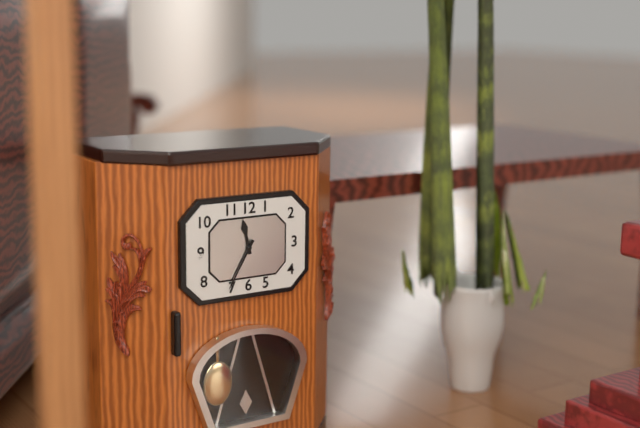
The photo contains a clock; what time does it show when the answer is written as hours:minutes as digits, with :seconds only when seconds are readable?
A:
11:35
